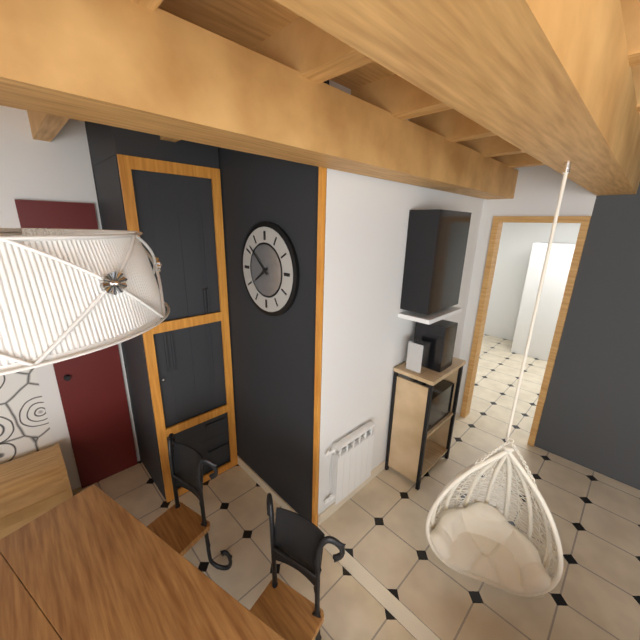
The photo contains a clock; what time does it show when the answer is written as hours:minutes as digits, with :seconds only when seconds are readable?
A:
7:52
